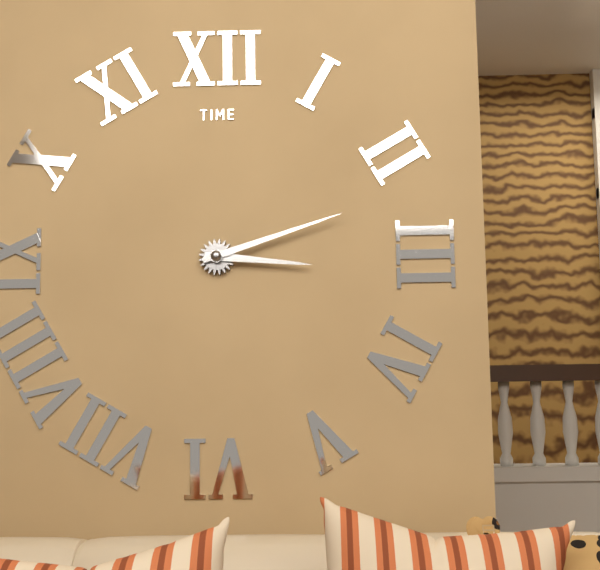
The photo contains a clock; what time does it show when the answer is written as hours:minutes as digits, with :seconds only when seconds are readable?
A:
3:12
